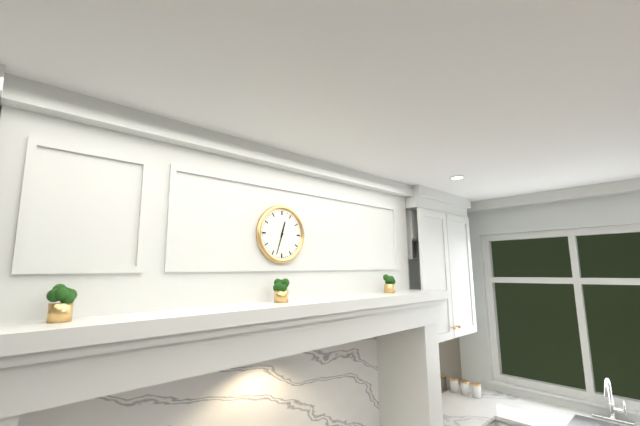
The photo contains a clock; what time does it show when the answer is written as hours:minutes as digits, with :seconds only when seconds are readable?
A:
12:33
